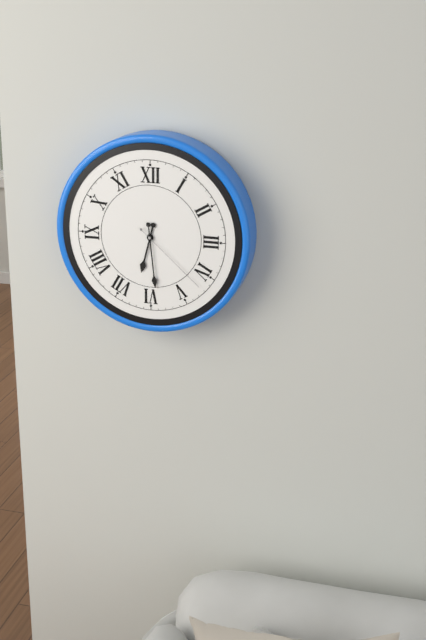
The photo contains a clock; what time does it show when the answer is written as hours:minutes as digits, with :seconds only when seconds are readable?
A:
6:29:22
